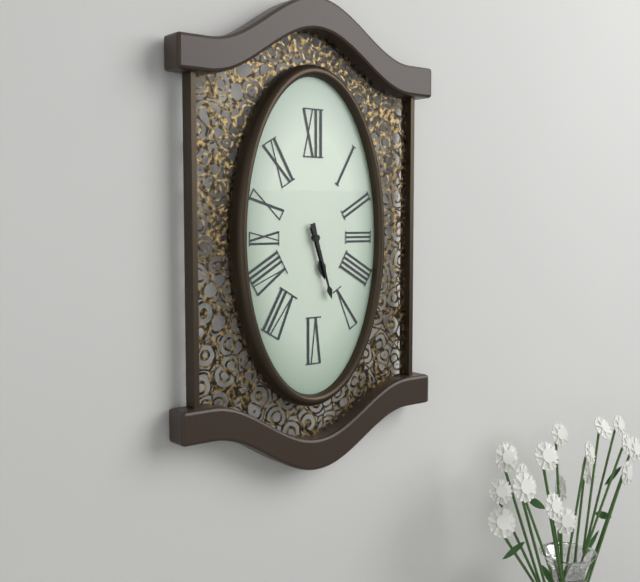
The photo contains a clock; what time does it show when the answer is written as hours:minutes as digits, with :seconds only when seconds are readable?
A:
5:27
